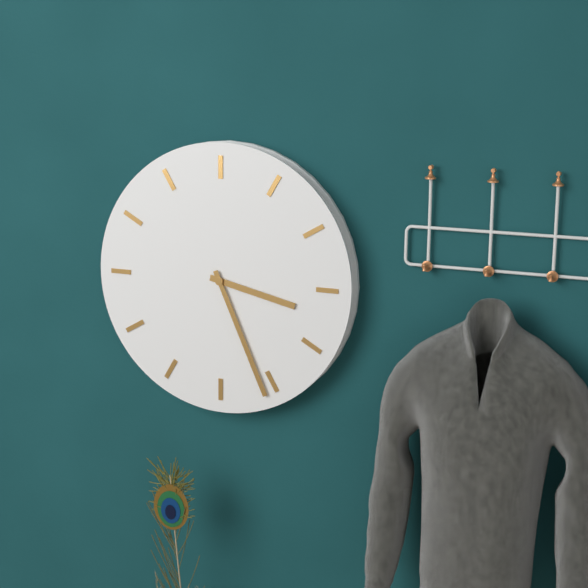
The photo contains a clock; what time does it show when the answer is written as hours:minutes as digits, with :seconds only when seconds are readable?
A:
3:26
